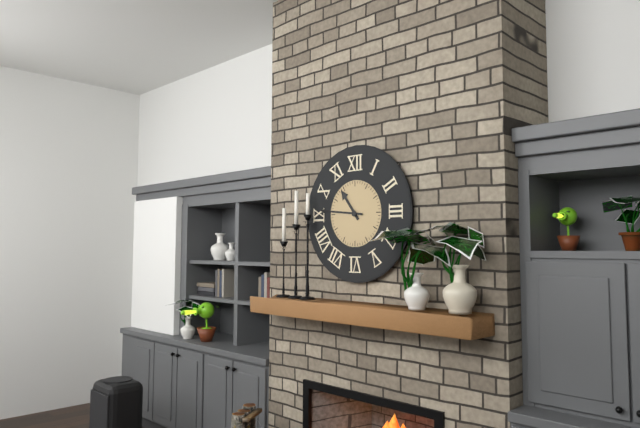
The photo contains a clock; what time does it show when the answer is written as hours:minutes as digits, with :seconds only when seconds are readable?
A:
10:46
